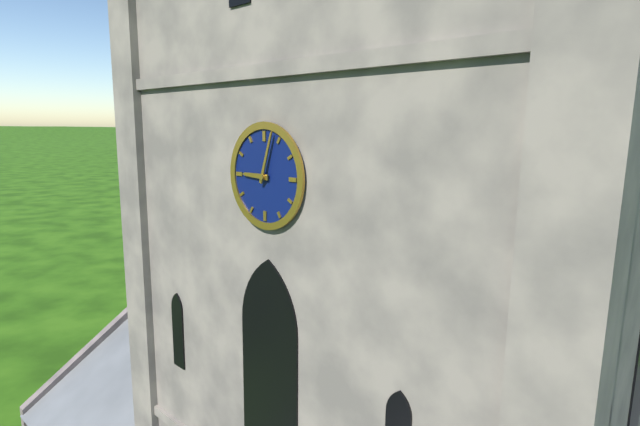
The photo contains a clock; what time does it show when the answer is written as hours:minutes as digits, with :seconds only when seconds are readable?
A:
9:03
